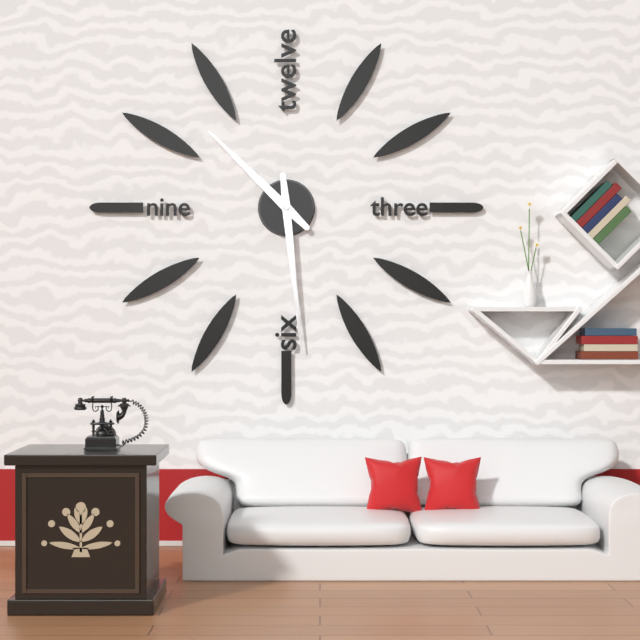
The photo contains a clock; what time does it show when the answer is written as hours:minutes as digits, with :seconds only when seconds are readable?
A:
10:29
